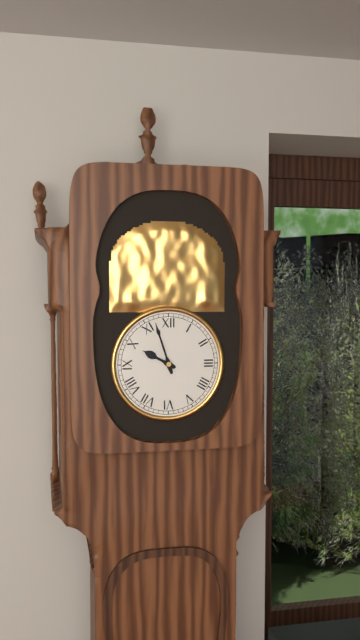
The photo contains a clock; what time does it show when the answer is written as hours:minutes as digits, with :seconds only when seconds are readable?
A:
9:57
